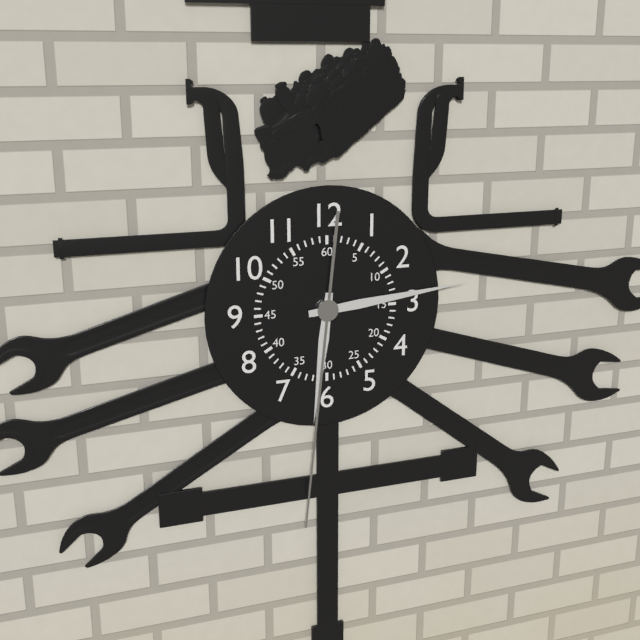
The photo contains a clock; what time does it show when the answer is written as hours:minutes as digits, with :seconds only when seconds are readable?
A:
6:14:31
